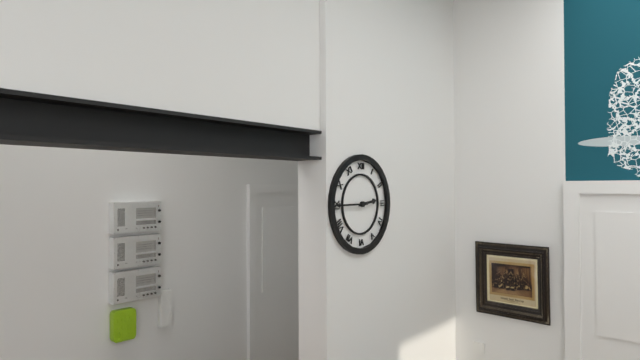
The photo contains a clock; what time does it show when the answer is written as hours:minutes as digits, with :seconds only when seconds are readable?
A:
2:45
